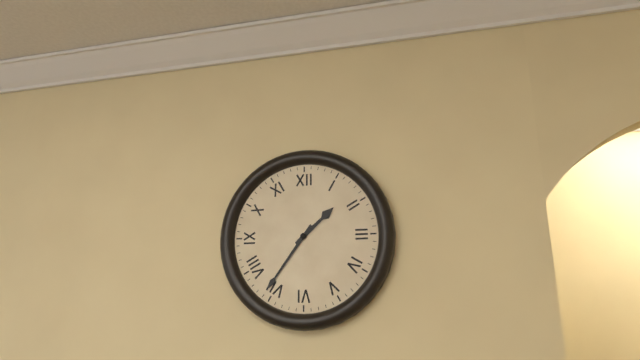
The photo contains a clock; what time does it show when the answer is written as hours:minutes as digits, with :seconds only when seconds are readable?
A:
1:36
